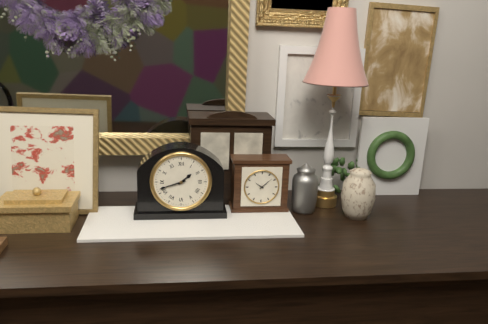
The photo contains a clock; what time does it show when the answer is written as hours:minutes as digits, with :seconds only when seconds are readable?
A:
1:42
